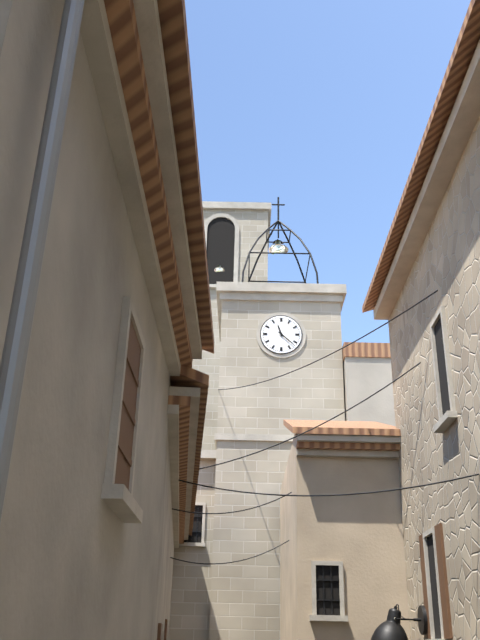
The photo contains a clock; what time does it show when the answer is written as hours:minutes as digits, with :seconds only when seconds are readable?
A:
11:22
